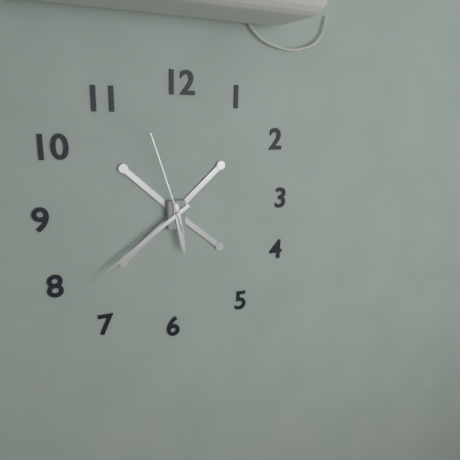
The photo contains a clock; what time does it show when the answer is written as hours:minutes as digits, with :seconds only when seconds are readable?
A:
5:39:57
